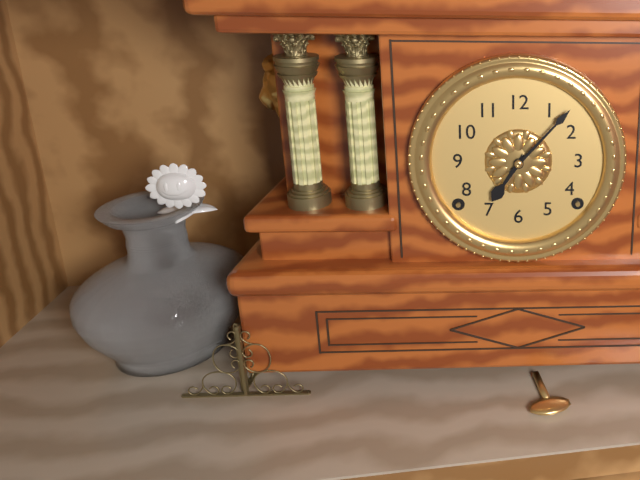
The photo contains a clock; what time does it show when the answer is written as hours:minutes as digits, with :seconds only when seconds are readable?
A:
7:07
